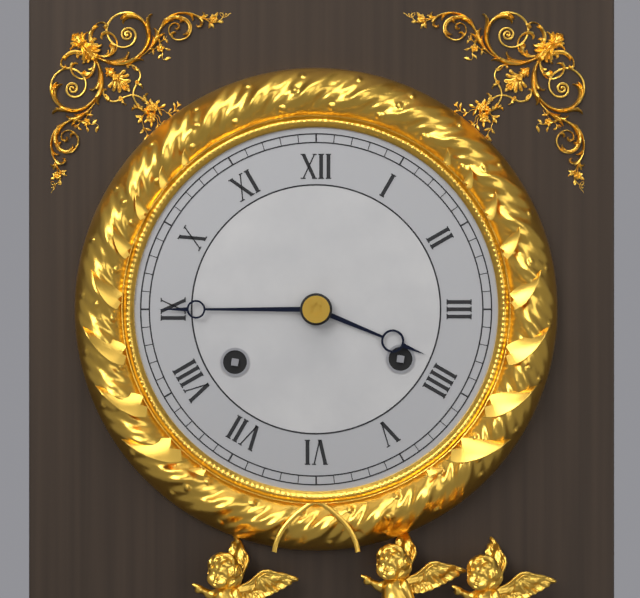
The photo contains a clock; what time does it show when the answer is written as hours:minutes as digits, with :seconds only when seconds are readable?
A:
3:45
